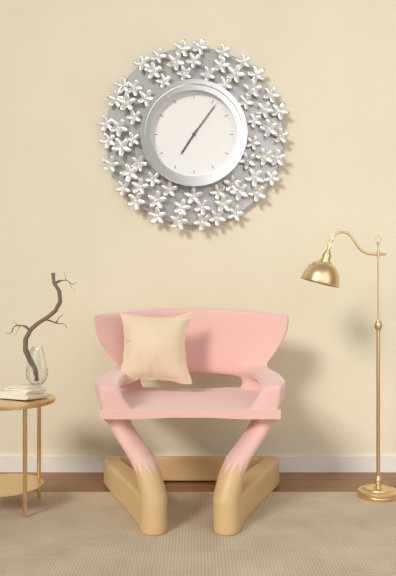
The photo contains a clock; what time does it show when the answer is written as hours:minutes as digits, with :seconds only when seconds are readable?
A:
7:06
